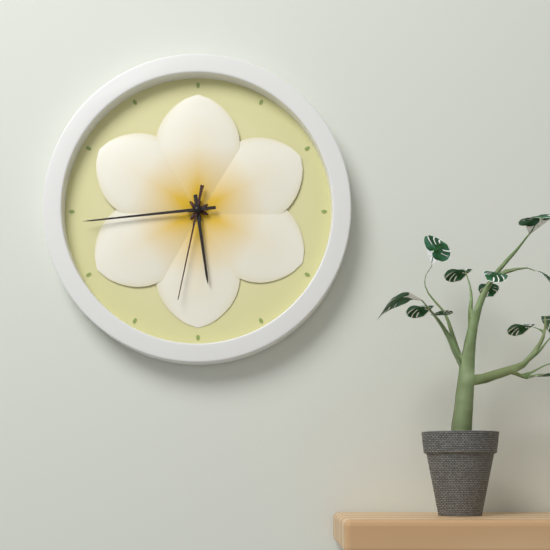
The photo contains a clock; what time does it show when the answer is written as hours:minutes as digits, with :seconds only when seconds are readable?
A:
5:44:32
